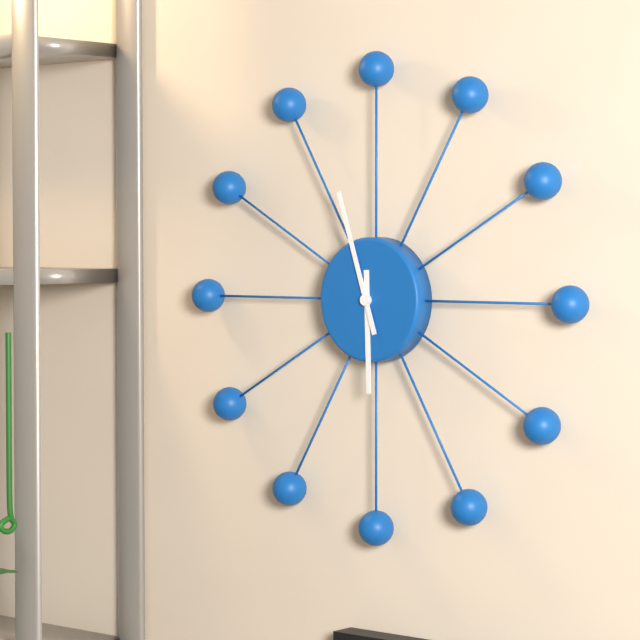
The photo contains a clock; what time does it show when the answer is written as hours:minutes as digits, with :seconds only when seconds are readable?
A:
5:57
